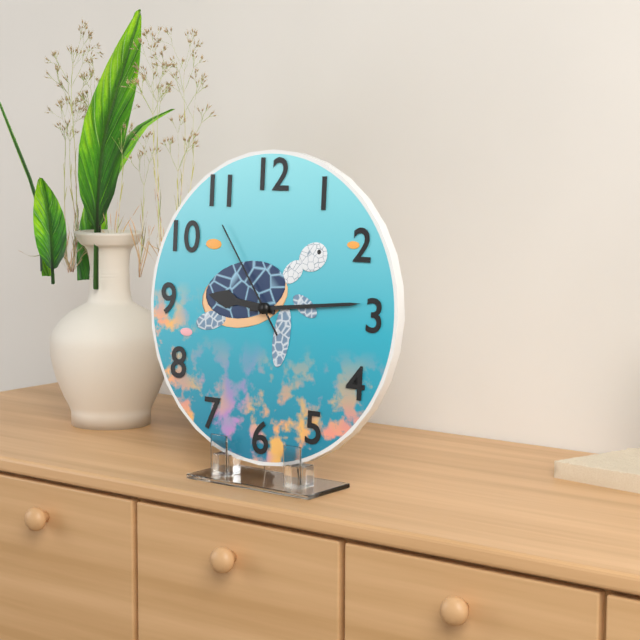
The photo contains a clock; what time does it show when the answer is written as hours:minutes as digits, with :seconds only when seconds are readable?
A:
9:14:54
